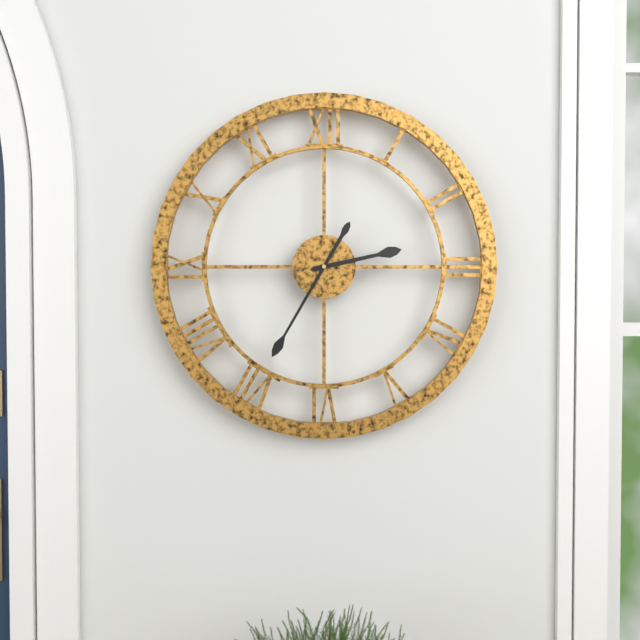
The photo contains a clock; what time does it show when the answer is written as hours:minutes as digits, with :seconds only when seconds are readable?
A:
2:35
